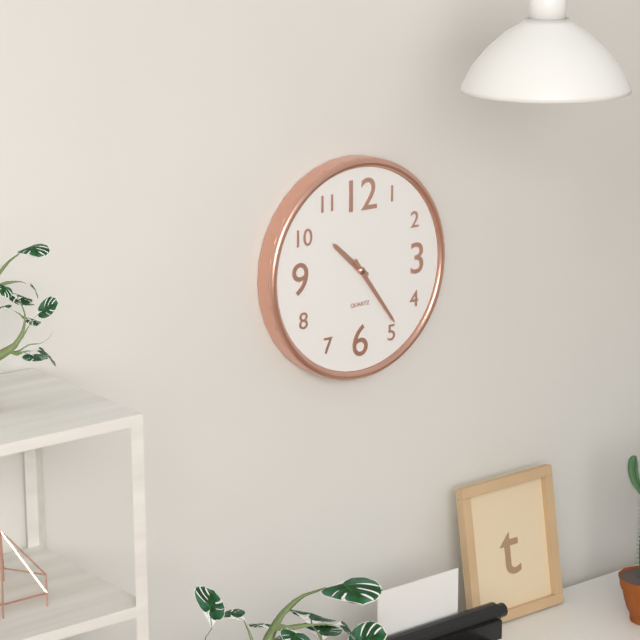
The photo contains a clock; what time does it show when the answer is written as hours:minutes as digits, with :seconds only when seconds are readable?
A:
10:24
